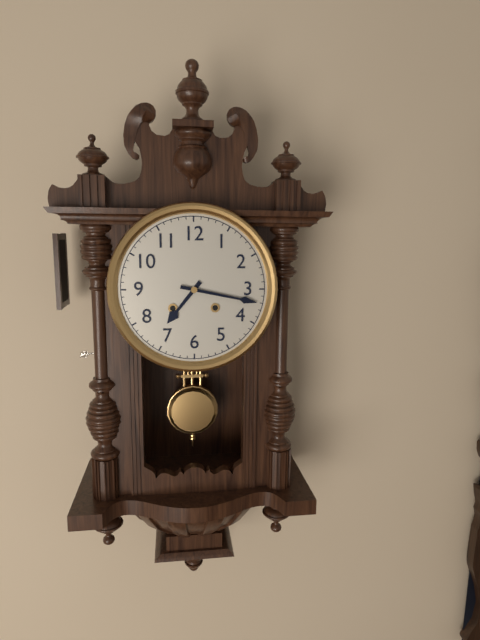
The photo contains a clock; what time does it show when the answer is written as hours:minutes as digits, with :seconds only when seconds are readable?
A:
7:17
